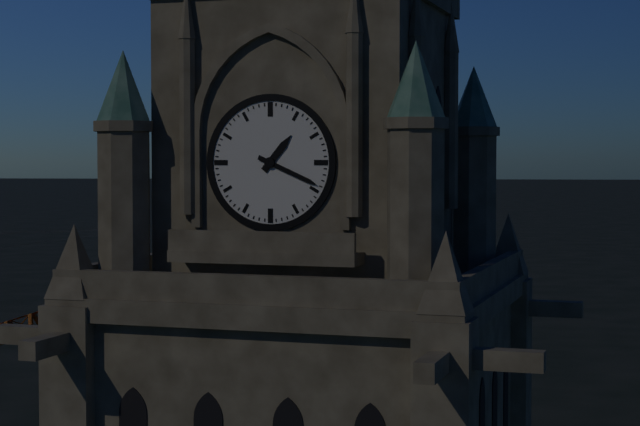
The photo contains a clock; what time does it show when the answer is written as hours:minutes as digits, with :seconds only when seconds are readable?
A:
1:19
